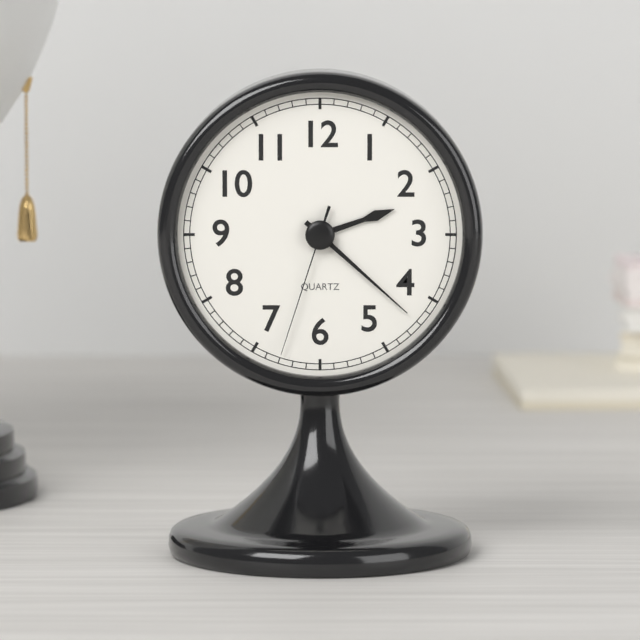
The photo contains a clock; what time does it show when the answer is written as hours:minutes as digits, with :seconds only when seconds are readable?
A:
2:22:33
